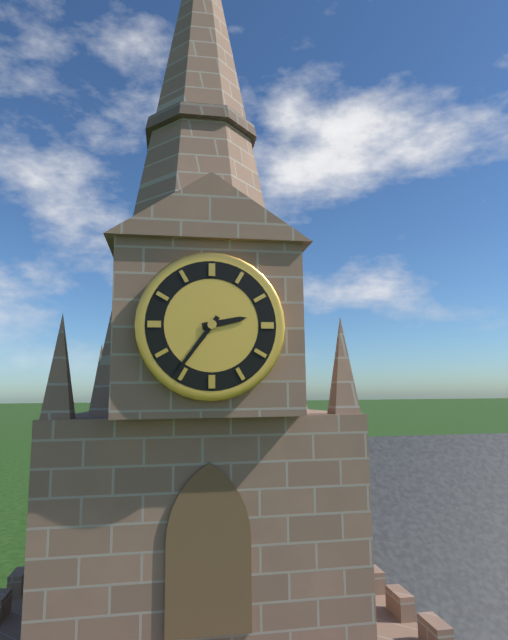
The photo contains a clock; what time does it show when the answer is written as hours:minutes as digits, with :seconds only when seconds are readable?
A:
2:36
